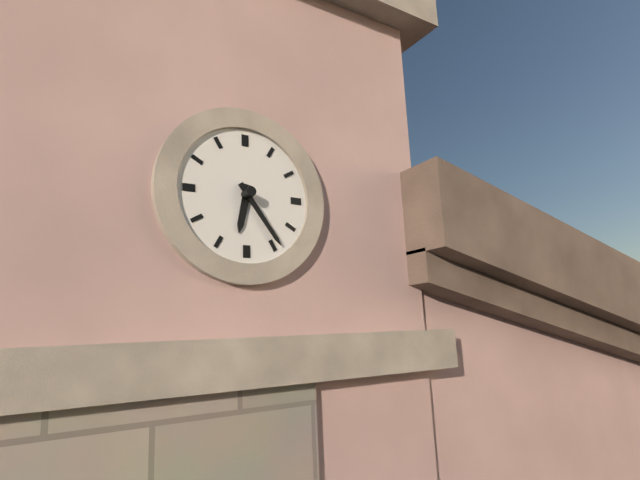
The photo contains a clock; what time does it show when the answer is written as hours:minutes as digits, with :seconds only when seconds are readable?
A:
6:24
